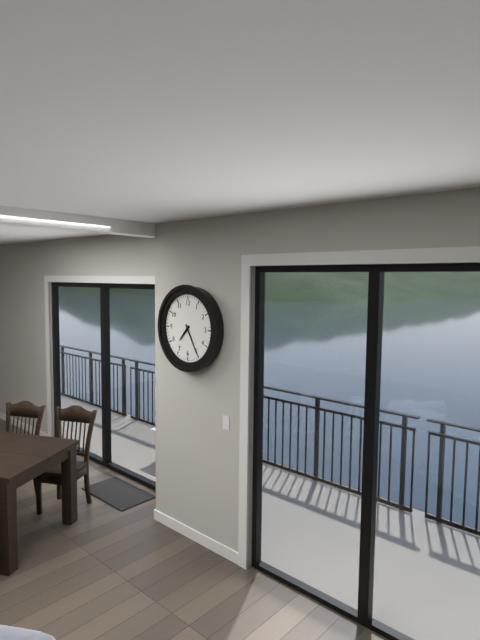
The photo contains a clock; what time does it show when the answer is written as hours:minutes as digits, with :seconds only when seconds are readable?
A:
7:25
